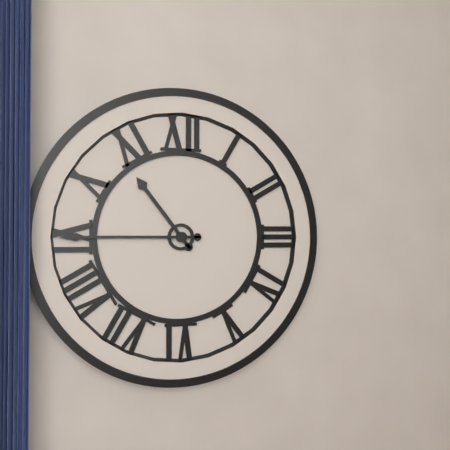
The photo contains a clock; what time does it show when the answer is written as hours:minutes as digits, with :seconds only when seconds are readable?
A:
10:45
